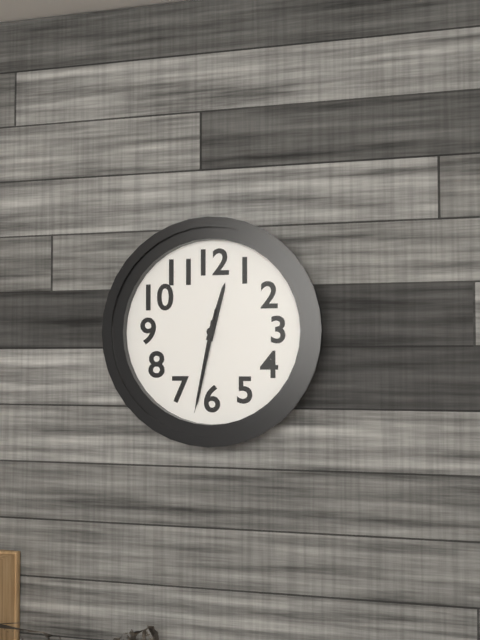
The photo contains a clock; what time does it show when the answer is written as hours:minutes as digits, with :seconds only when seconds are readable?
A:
12:32:32
